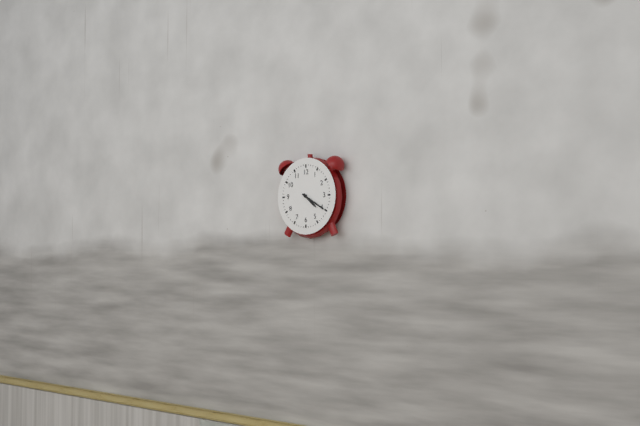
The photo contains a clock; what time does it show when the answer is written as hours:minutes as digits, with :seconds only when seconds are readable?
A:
4:20
